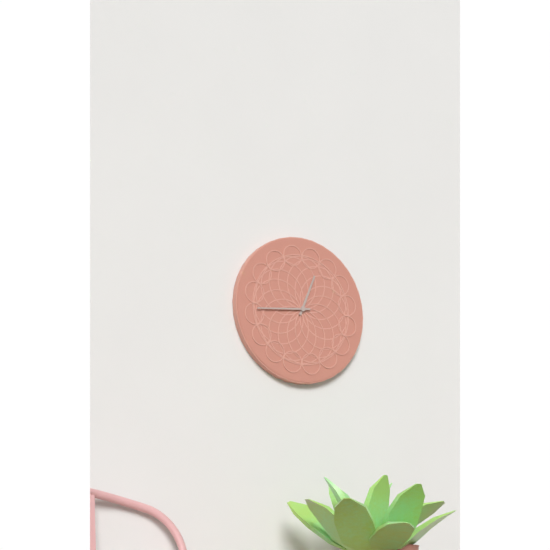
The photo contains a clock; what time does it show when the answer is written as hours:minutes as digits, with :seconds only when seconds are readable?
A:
12:44
